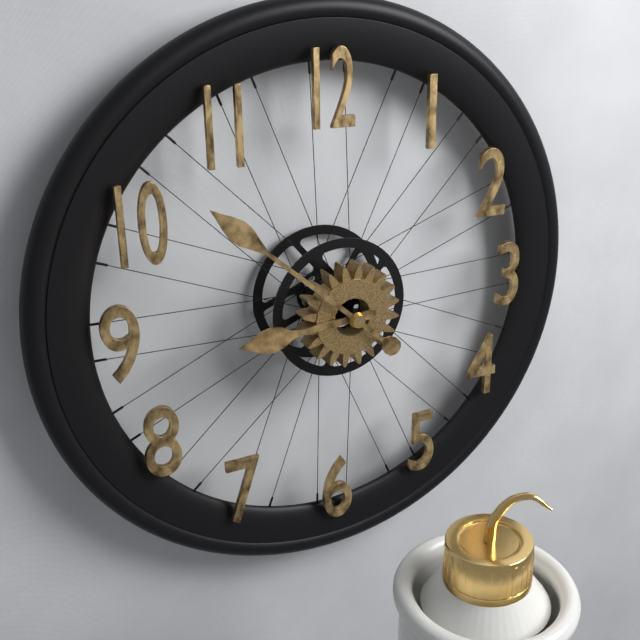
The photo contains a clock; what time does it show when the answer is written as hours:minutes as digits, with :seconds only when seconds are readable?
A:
8:52
